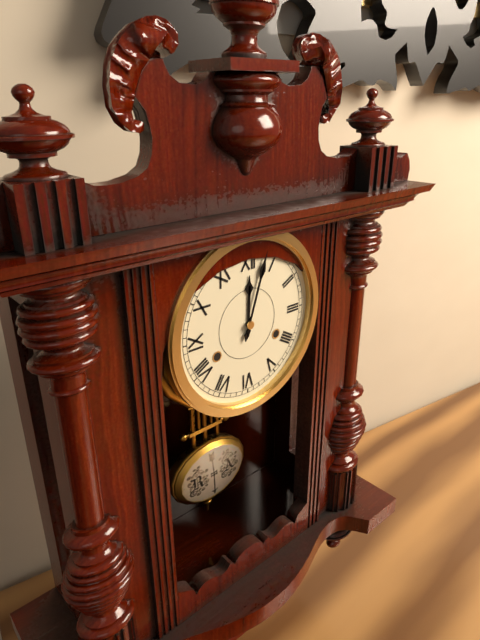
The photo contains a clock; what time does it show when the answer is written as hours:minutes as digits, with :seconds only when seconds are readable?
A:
12:03
